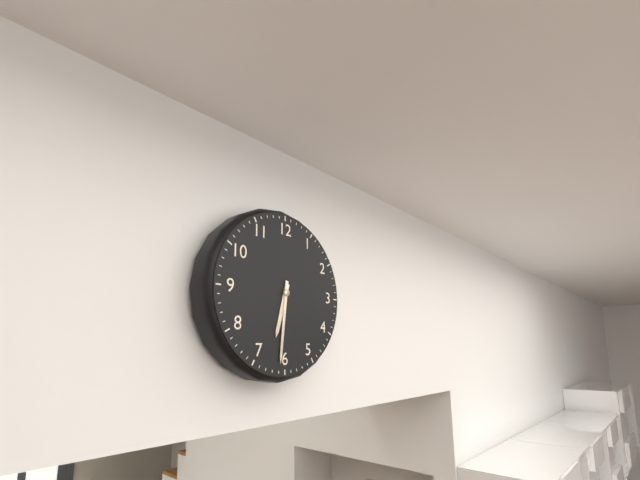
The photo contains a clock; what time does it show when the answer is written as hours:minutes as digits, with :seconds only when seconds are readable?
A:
6:31
